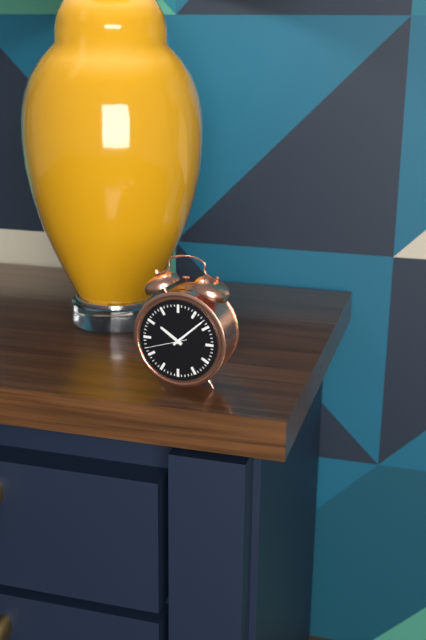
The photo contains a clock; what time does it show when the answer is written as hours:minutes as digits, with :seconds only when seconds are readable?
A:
10:08
